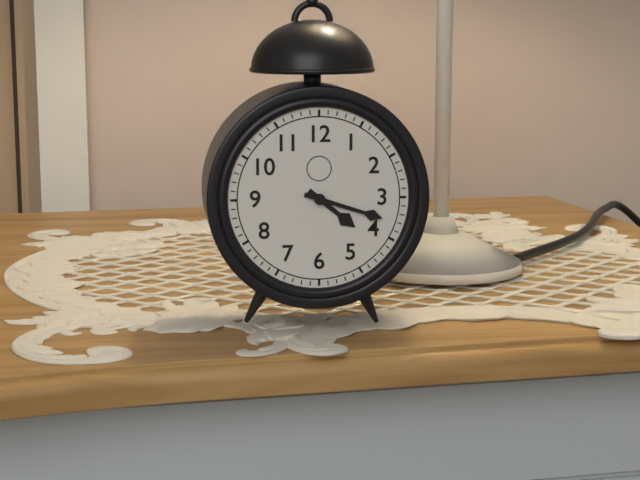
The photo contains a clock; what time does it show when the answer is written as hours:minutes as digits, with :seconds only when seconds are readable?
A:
4:18
